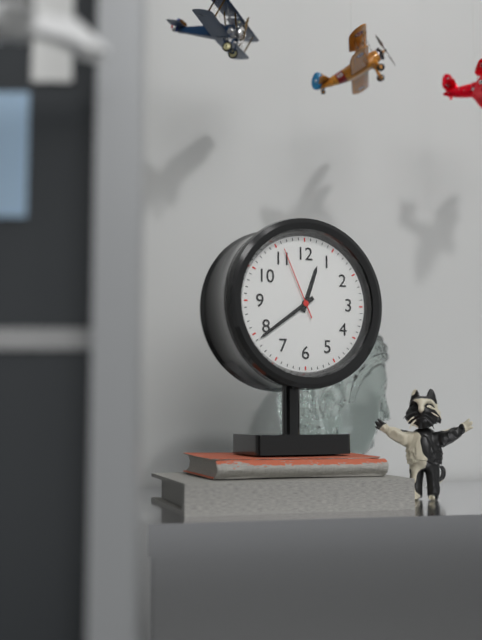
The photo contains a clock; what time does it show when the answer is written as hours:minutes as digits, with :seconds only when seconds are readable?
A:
12:39:56
